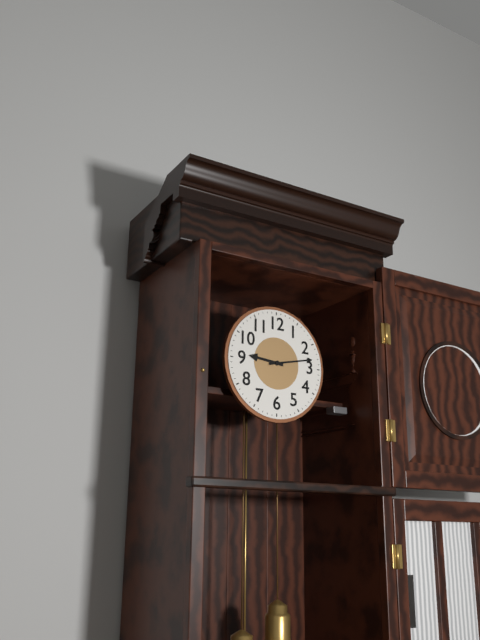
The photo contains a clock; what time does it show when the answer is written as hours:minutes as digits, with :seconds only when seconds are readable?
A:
9:13
